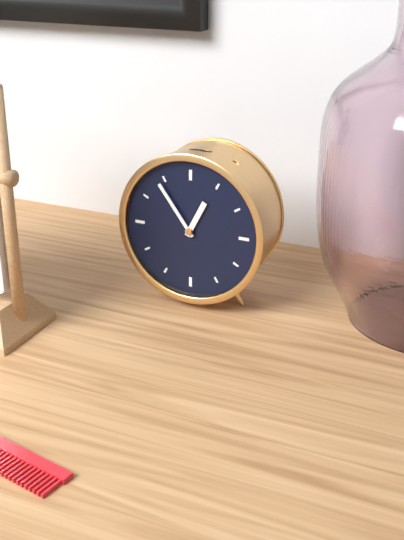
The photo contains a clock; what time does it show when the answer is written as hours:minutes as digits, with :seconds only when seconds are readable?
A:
12:54
